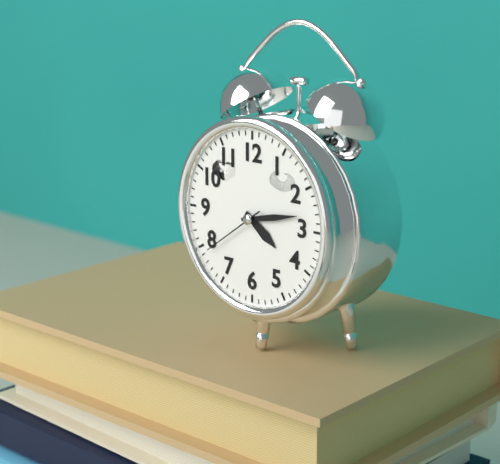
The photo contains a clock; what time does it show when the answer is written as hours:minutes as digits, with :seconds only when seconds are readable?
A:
4:13:39
